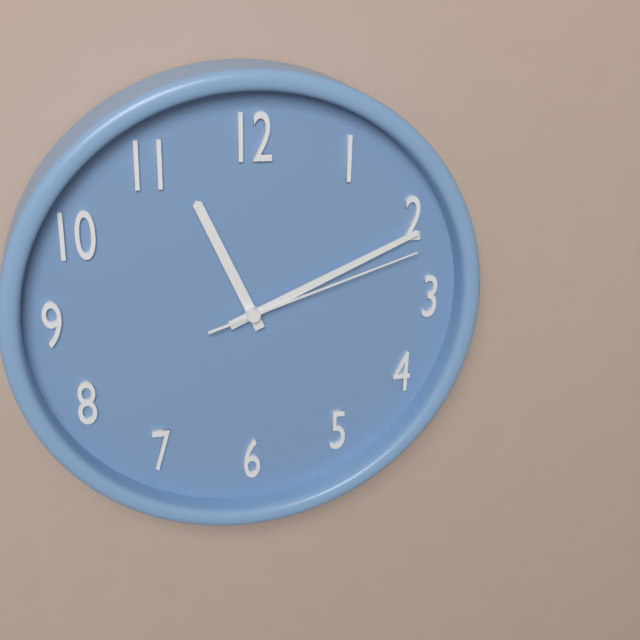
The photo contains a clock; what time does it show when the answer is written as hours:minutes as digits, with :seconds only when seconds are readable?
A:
11:11:12
